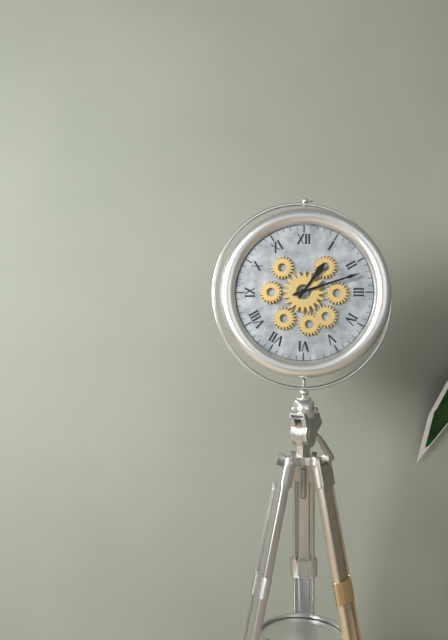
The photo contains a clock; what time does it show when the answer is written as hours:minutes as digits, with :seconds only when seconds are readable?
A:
1:12
